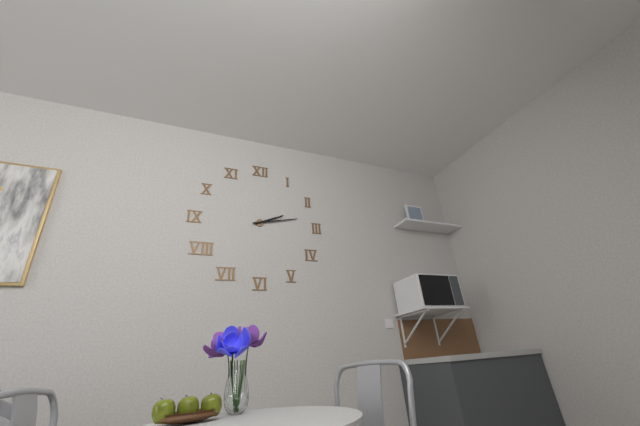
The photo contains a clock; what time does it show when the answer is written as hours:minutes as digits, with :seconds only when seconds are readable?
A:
2:13
